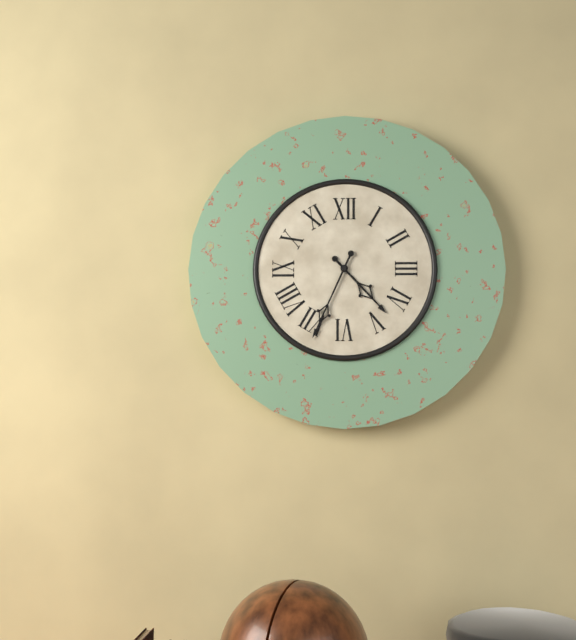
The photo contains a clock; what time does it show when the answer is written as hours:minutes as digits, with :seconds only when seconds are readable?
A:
4:34
